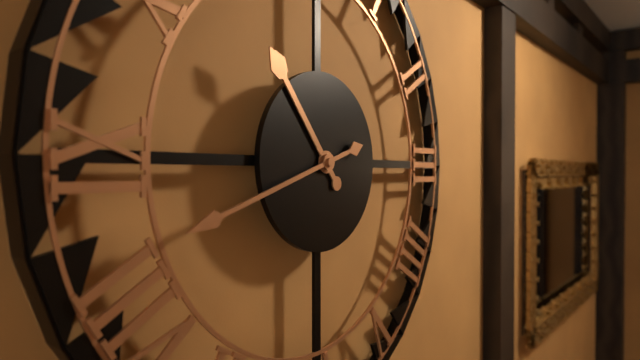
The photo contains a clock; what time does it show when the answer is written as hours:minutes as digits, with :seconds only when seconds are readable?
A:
10:42
